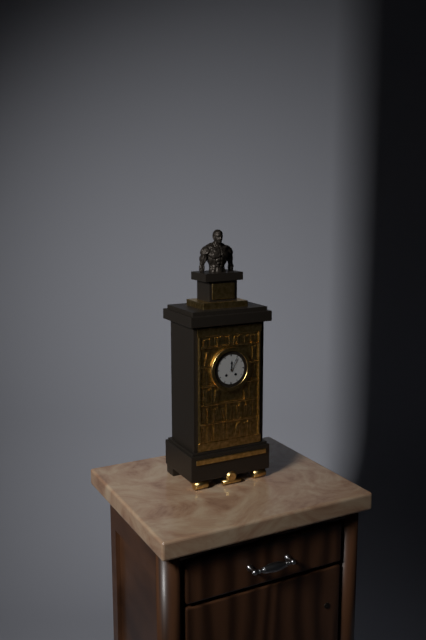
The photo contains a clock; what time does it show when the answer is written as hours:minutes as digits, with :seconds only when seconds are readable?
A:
12:05
